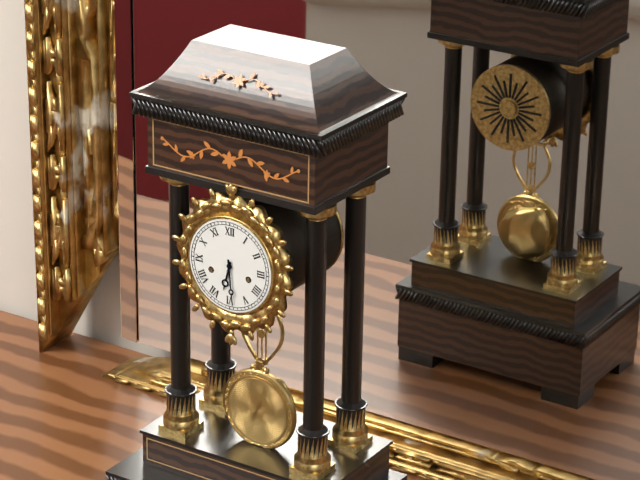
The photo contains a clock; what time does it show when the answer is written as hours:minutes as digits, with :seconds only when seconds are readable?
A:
6:29
